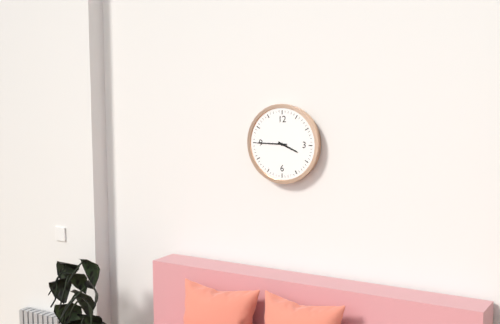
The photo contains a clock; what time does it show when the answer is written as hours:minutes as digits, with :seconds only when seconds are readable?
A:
3:45
